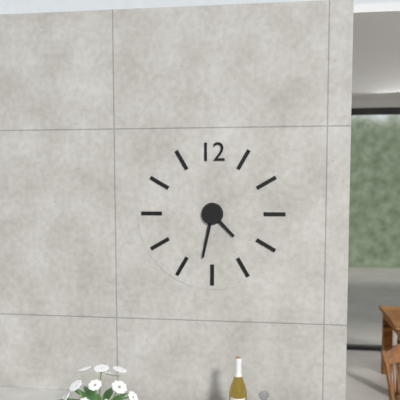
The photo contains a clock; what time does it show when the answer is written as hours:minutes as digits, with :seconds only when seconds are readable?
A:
4:32
